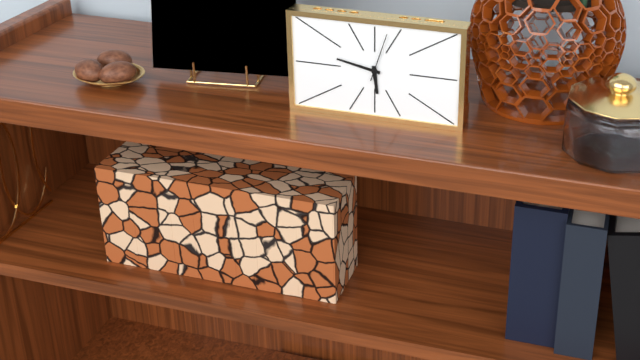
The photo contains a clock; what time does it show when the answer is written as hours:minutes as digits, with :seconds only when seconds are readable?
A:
5:47
